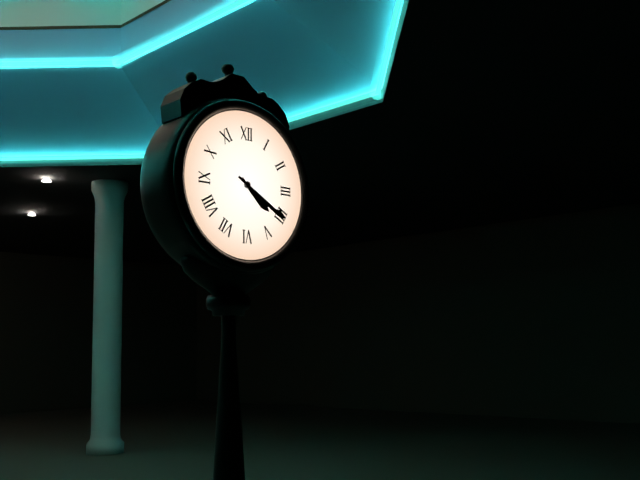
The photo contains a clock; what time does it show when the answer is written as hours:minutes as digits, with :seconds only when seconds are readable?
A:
4:20
